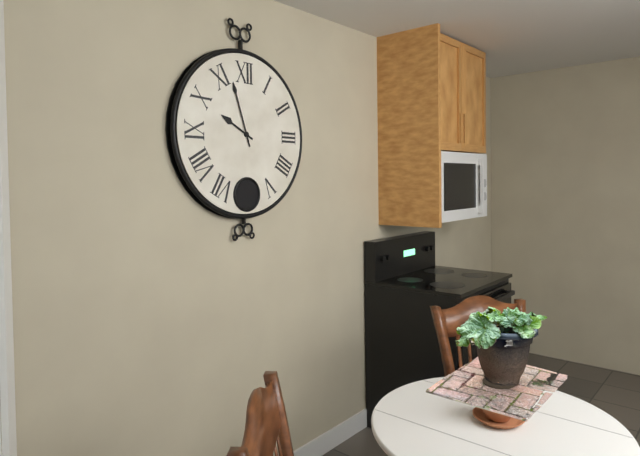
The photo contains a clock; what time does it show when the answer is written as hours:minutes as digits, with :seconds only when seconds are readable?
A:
9:57
